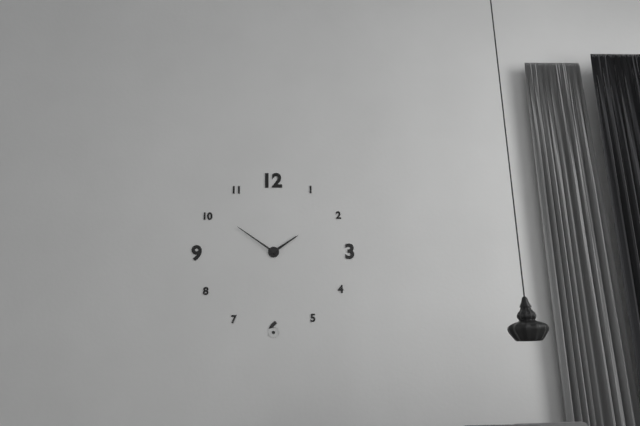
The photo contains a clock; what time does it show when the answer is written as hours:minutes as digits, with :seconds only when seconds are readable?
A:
1:51
